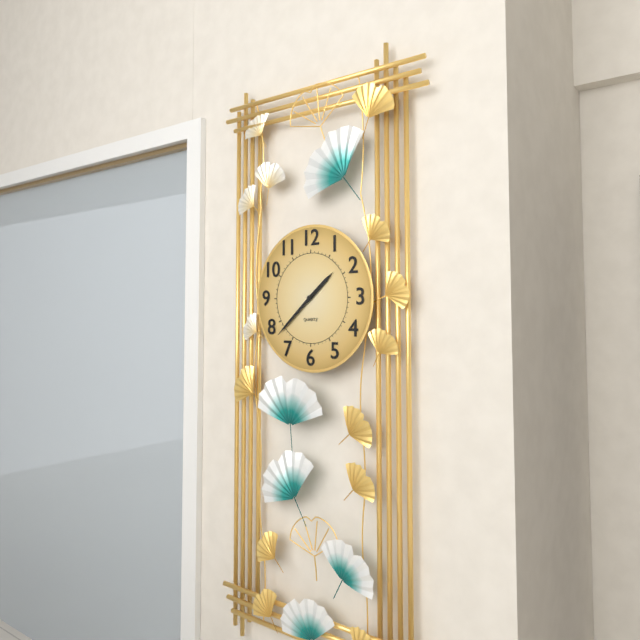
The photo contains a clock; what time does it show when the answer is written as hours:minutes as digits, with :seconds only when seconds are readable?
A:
1:38
